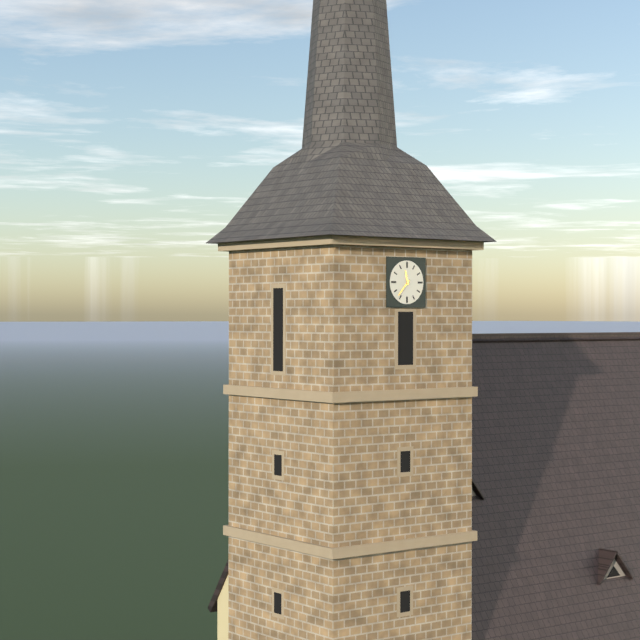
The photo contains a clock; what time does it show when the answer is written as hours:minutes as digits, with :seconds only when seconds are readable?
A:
11:37
